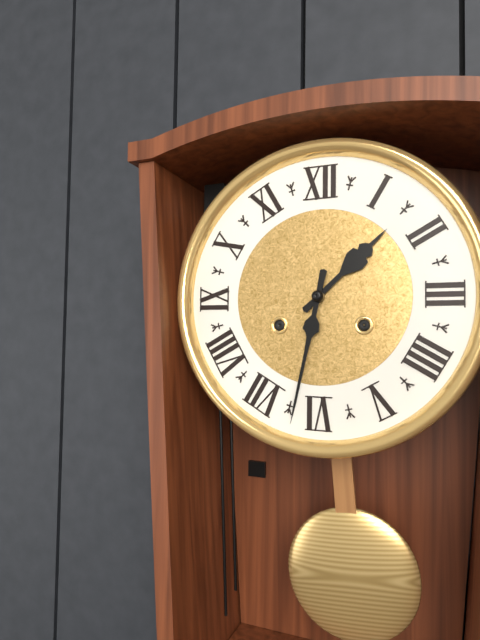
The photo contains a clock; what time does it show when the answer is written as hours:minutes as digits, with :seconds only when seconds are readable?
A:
1:32
